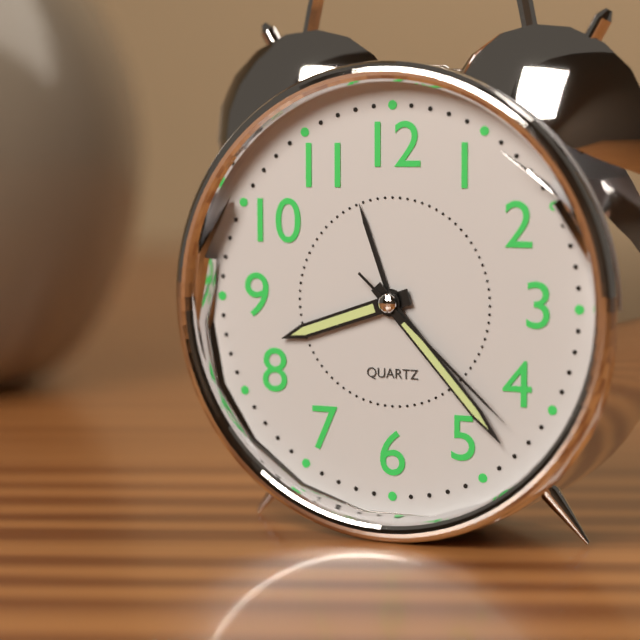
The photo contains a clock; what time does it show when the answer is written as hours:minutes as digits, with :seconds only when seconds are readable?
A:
8:23:22
